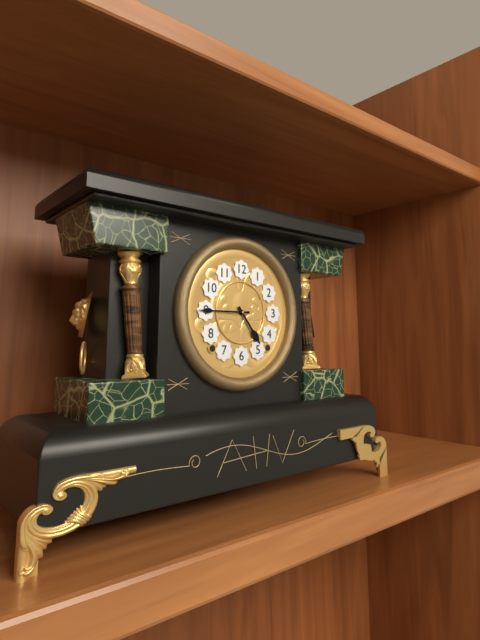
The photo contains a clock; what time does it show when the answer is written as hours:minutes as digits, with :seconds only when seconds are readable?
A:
4:45
